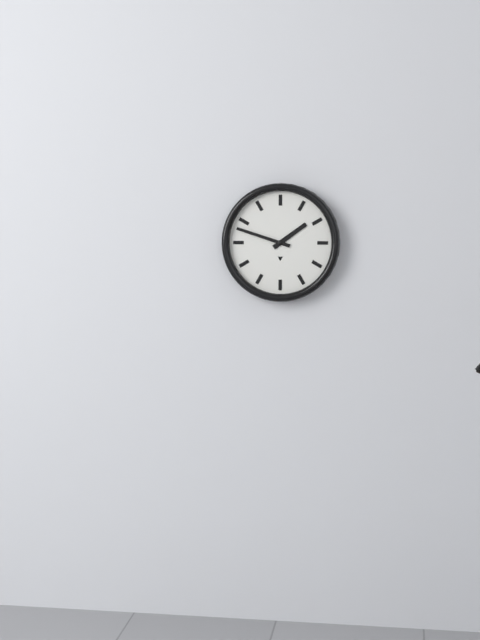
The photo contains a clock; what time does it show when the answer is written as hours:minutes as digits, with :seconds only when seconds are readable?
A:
1:48
